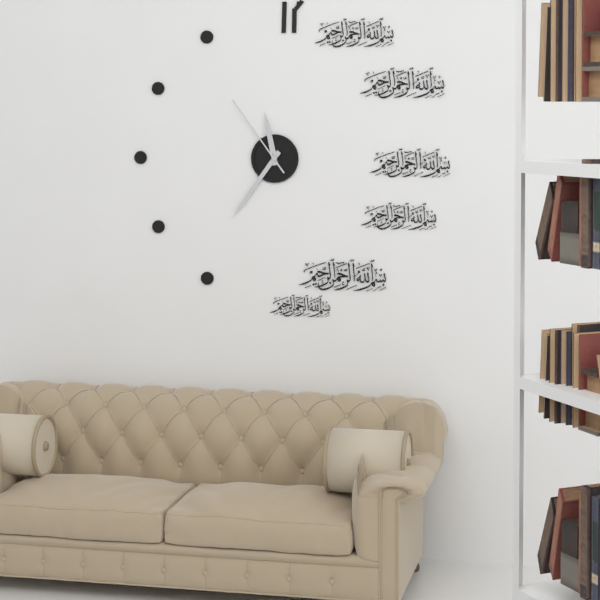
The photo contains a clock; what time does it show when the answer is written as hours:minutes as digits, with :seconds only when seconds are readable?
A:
11:36:54
